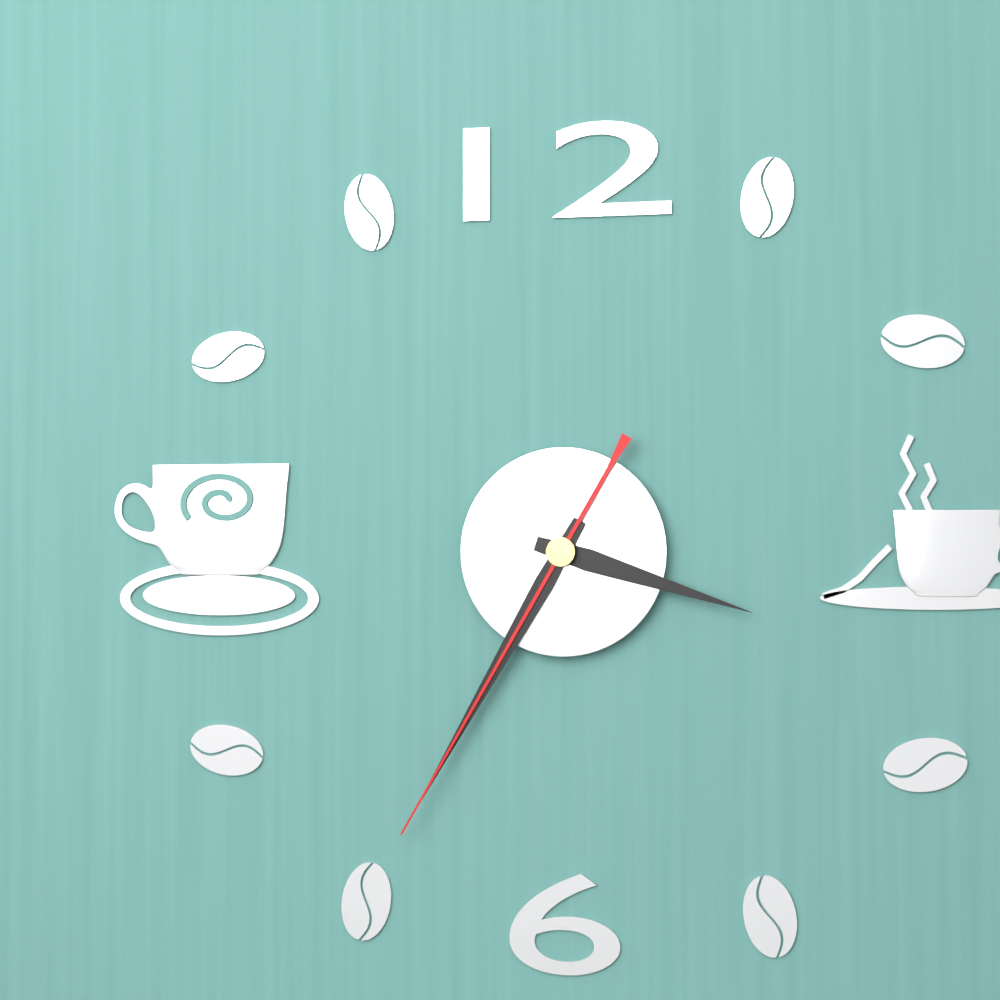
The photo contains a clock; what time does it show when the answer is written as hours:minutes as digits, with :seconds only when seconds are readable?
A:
3:35:35
